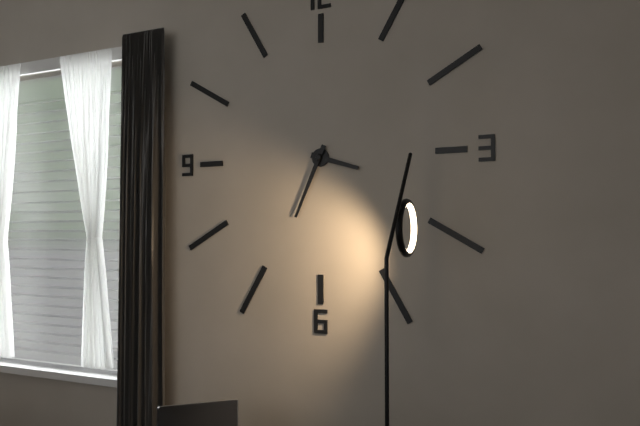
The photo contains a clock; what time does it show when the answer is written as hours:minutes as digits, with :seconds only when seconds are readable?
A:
3:34
